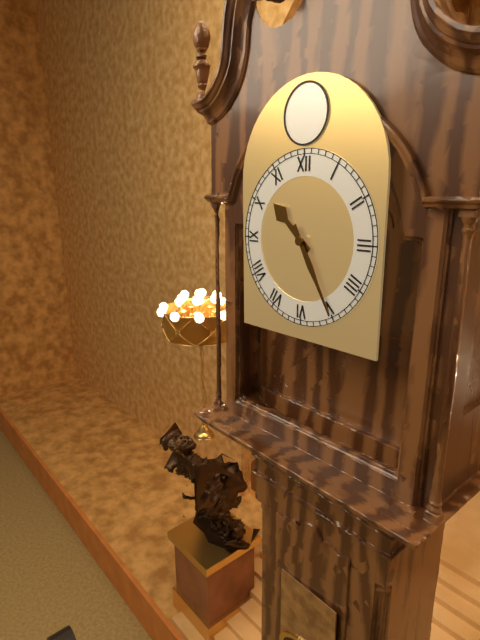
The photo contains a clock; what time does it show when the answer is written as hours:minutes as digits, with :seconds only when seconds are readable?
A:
10:25
